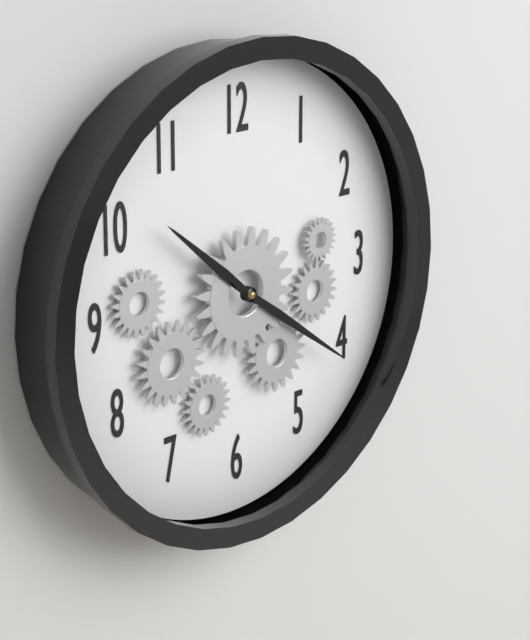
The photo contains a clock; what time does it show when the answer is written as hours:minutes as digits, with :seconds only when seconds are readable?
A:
10:21
